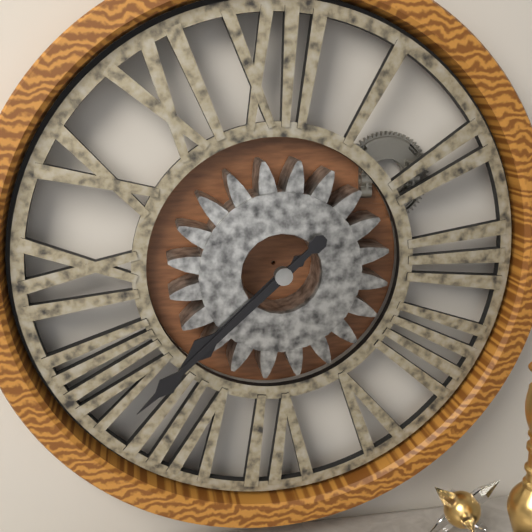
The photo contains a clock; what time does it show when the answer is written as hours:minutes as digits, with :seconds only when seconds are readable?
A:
7:38
